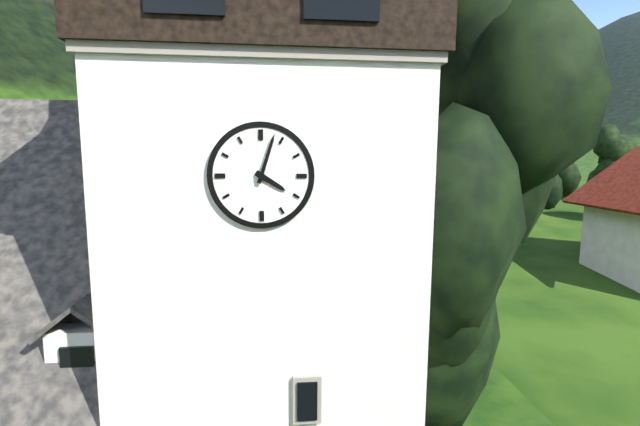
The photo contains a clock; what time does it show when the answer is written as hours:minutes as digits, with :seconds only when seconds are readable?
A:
4:03
